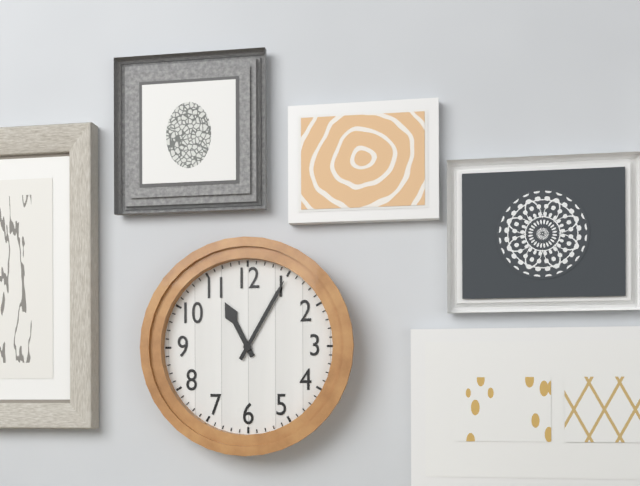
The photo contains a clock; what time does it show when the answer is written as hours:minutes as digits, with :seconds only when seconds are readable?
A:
11:05
